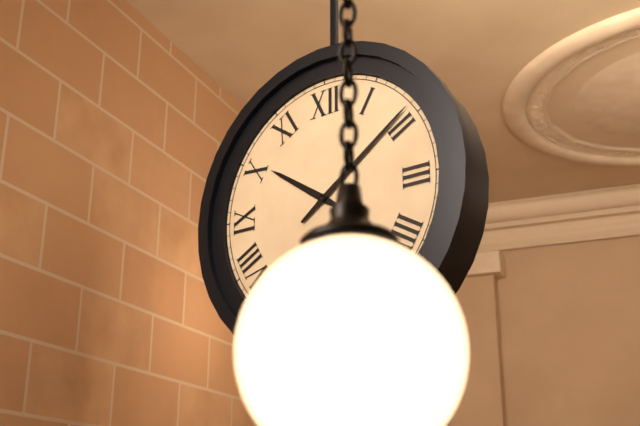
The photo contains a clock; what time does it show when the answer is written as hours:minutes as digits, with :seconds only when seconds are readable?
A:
10:09
